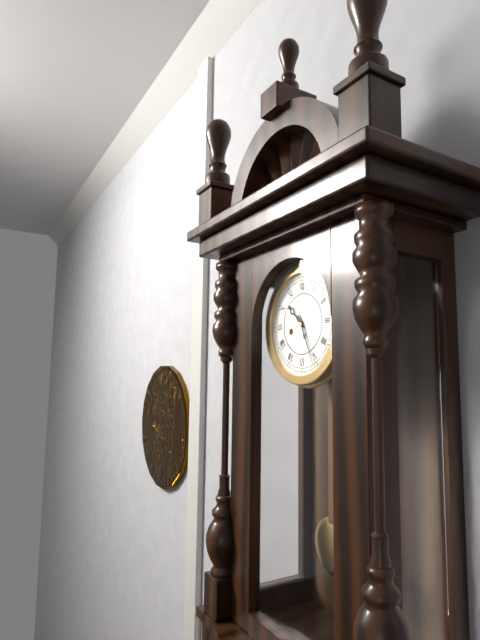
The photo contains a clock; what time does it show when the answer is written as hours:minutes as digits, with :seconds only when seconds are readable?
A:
10:26
